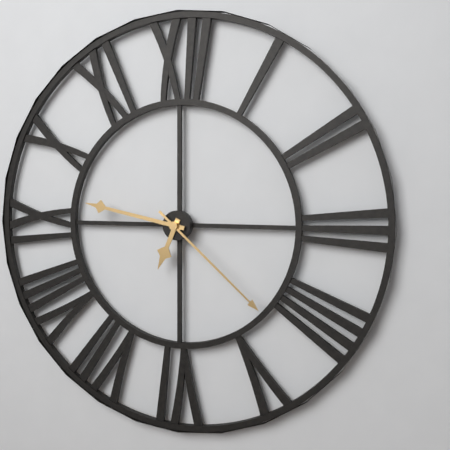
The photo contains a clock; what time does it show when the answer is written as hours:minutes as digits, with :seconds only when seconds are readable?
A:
6:47:22
